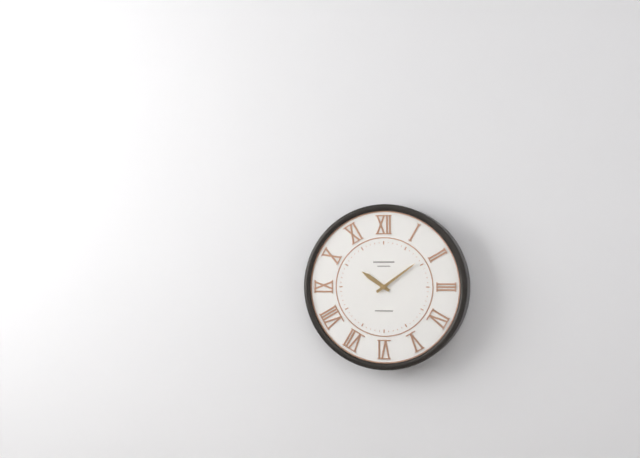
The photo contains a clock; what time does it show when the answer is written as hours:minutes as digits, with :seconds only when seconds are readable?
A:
10:09
